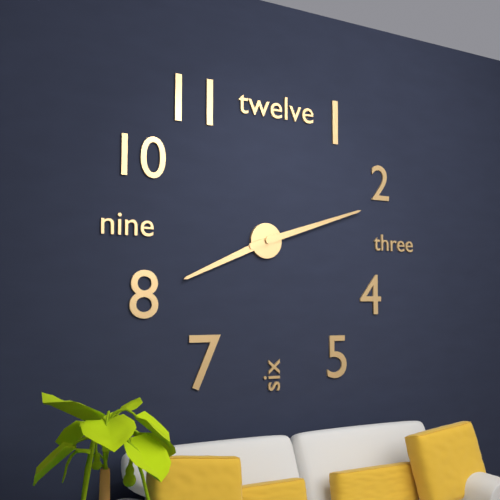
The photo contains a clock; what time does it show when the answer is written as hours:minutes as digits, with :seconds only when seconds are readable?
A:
8:12
